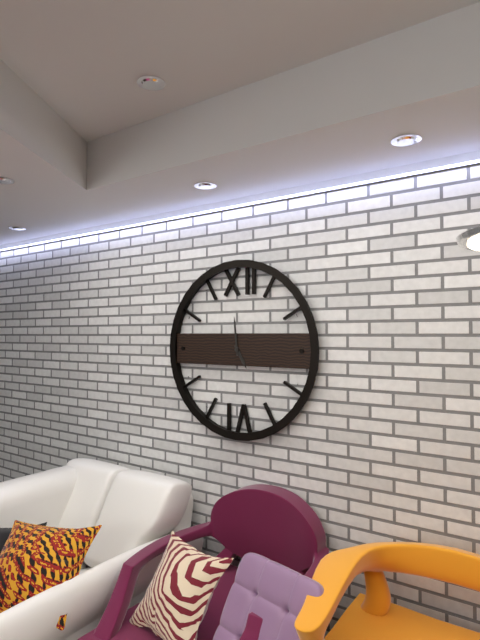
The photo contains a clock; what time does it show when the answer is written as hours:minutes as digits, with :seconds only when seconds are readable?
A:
4:59
